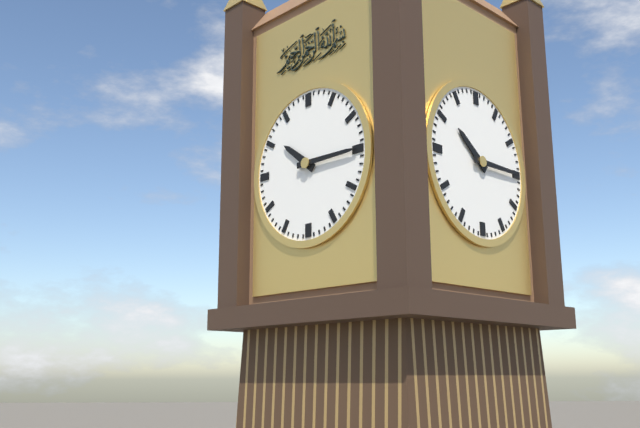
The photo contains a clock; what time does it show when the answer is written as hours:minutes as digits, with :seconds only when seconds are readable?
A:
10:15
